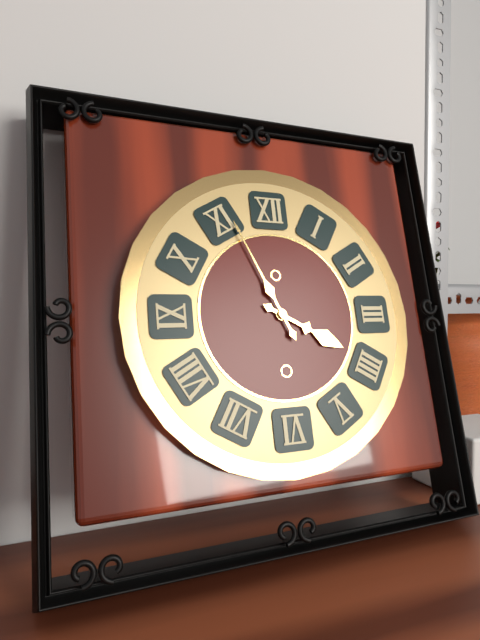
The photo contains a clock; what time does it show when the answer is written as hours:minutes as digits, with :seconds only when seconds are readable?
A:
3:56
